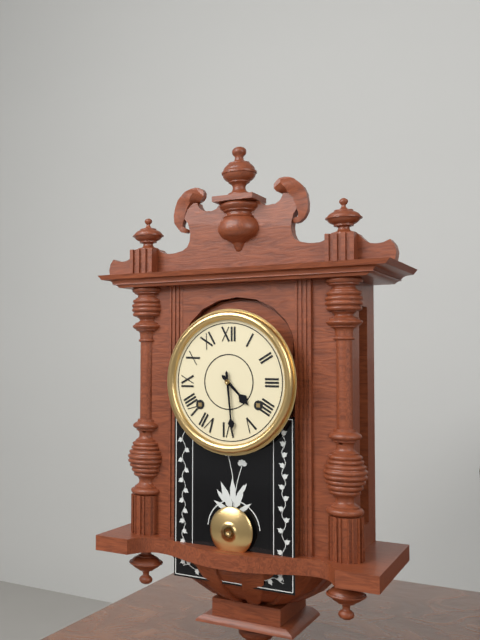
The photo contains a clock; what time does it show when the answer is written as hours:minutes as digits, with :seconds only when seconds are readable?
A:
4:29
